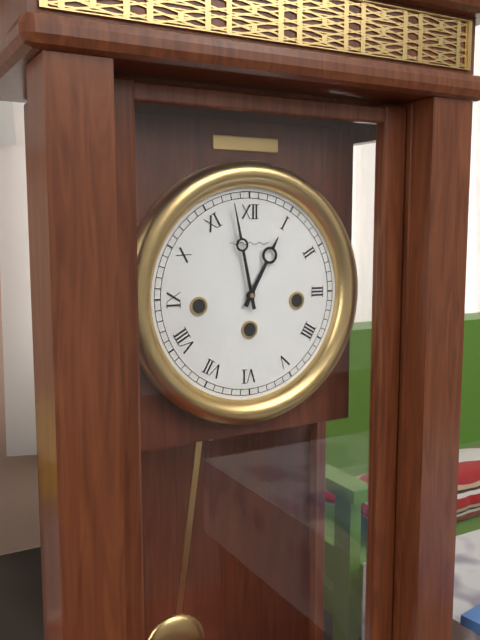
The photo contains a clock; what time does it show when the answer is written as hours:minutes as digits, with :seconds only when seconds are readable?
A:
12:58
